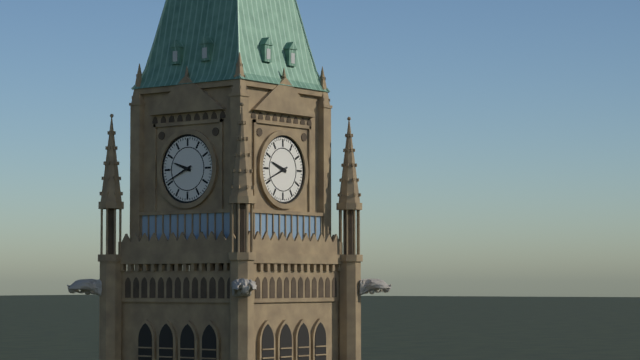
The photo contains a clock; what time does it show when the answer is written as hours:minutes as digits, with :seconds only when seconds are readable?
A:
9:41
